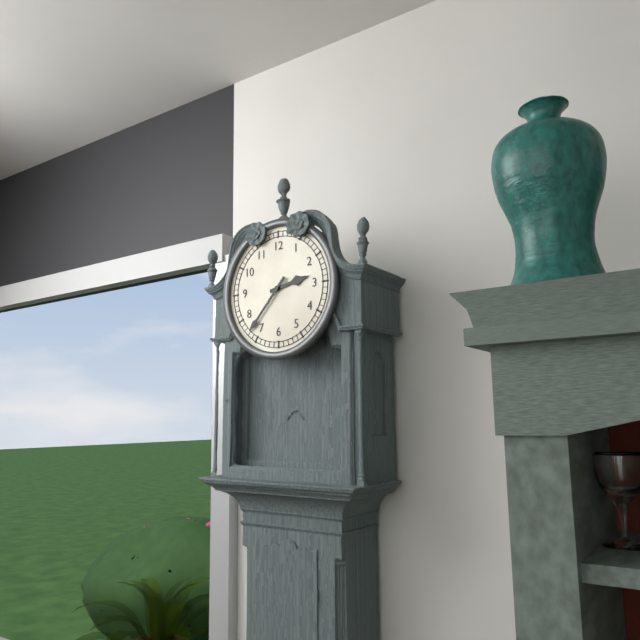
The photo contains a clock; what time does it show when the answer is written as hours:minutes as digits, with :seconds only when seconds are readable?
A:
2:37
